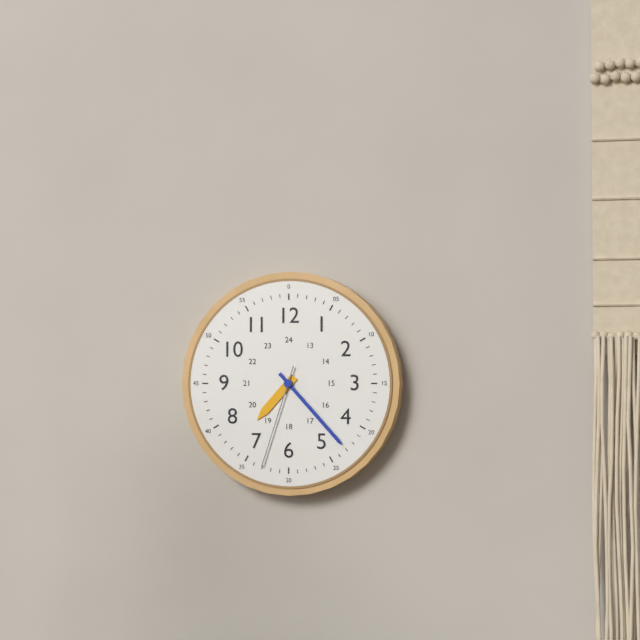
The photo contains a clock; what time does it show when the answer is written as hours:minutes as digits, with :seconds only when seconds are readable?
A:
7:23:33
